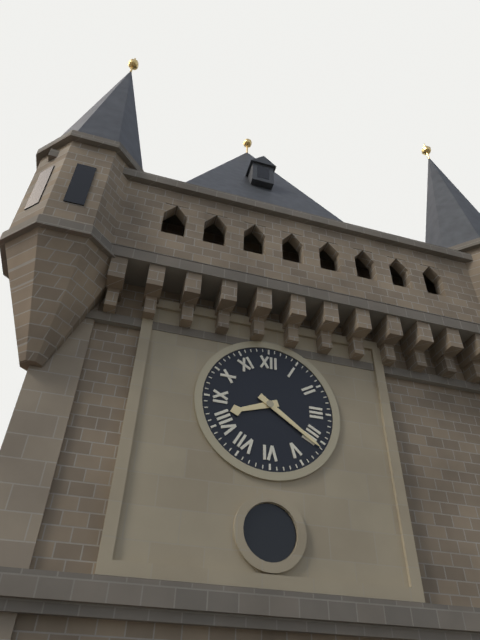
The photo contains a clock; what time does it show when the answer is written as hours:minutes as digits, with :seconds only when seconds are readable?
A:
8:21
